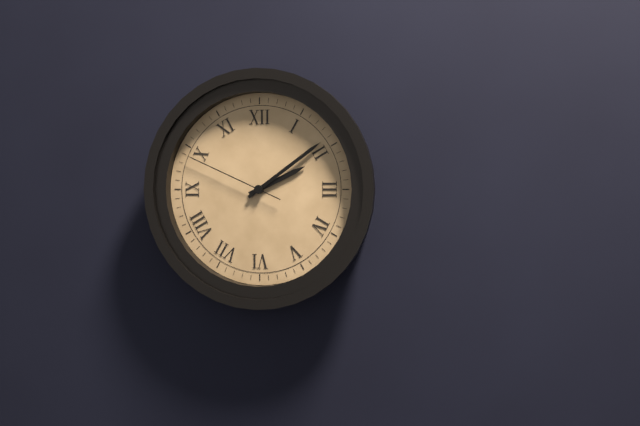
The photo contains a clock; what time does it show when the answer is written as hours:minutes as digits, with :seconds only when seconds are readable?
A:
2:09:49
